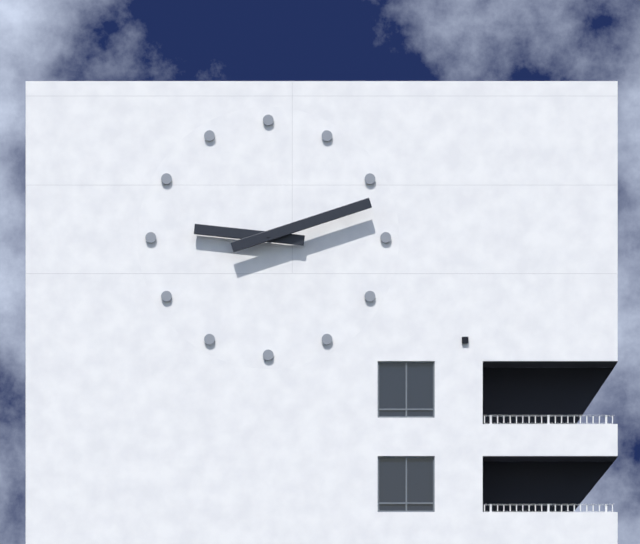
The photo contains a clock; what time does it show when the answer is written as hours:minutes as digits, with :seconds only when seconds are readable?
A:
9:12
